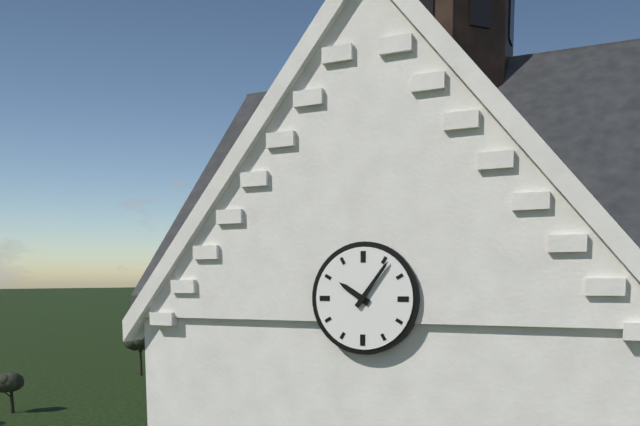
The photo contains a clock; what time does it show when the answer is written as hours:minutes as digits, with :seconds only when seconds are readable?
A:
10:06
